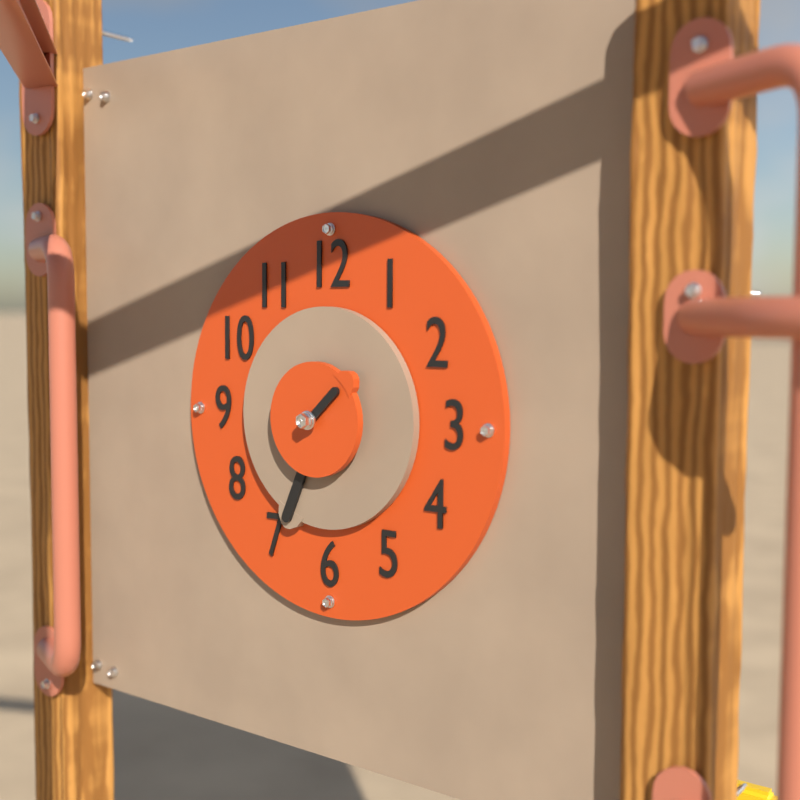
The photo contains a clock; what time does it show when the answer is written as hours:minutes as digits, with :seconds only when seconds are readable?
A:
1:34
